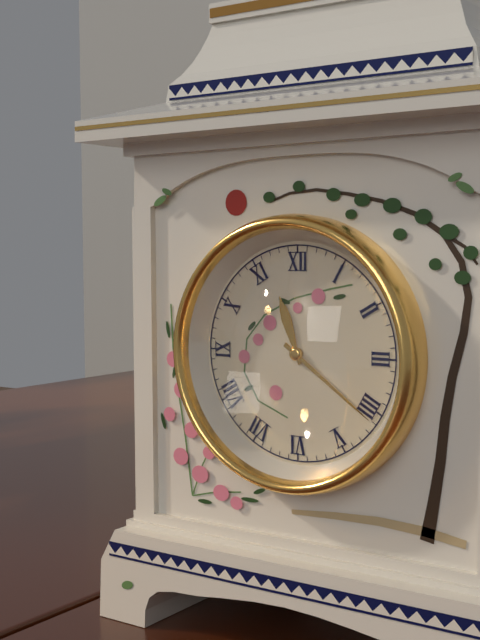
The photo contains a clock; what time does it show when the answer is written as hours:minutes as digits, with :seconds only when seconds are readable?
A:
11:21
